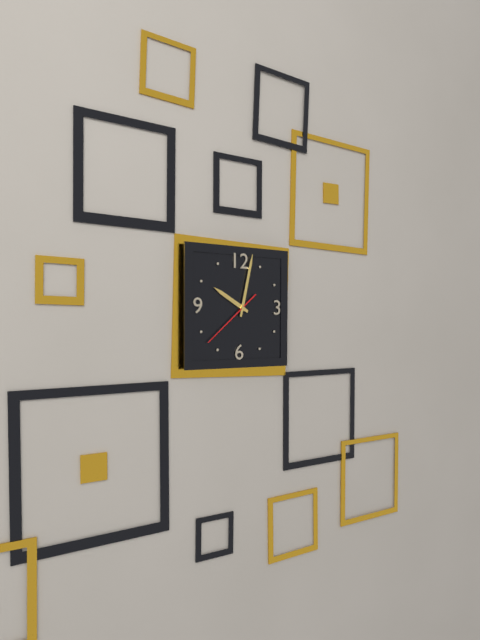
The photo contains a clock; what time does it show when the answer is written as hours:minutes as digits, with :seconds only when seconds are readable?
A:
10:02:38
